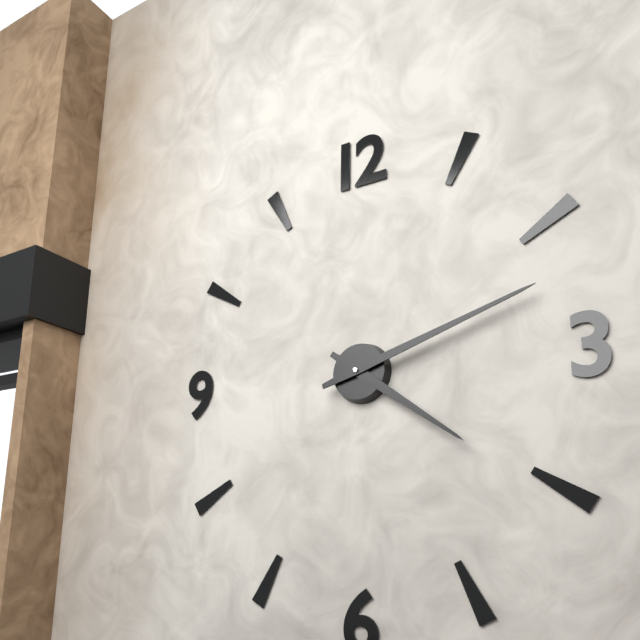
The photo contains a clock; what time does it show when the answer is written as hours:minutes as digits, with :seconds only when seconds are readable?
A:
4:12
